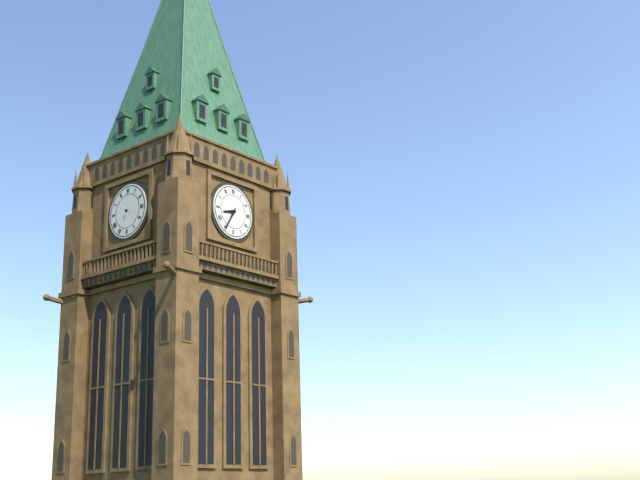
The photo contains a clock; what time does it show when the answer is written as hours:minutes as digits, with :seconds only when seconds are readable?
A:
8:35
